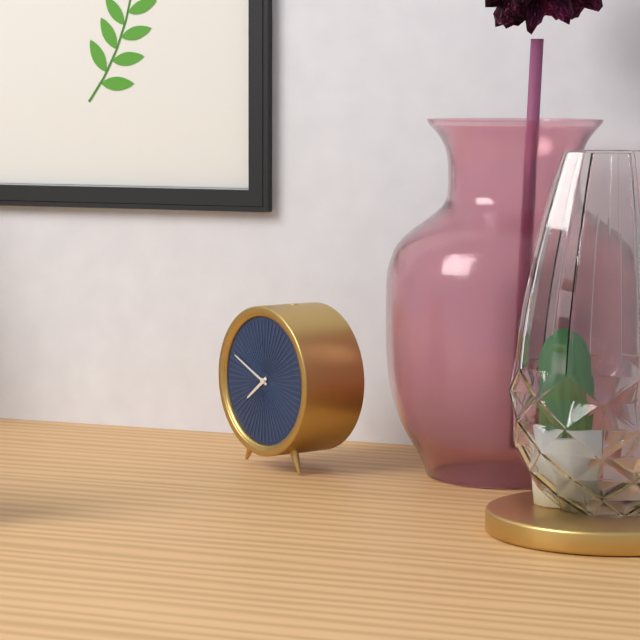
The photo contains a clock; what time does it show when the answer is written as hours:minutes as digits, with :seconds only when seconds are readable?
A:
7:49
